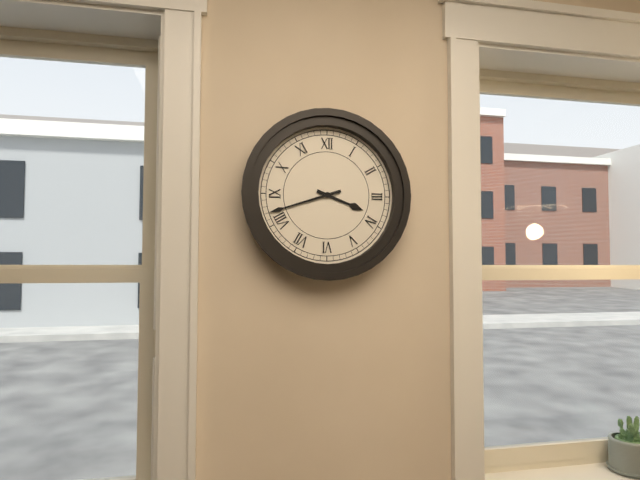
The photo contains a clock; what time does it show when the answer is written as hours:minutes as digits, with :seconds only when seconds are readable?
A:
3:42
